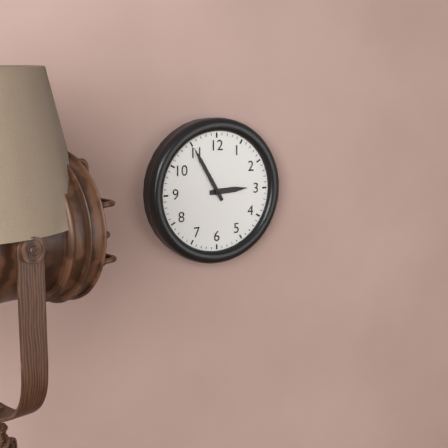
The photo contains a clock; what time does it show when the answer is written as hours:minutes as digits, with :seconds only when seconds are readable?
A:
2:55
